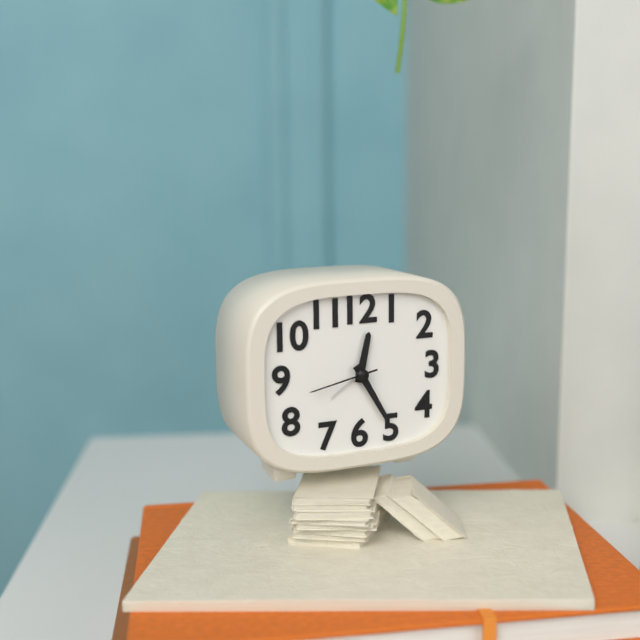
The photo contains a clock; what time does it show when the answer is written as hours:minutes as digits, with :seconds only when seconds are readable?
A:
12:25:43
